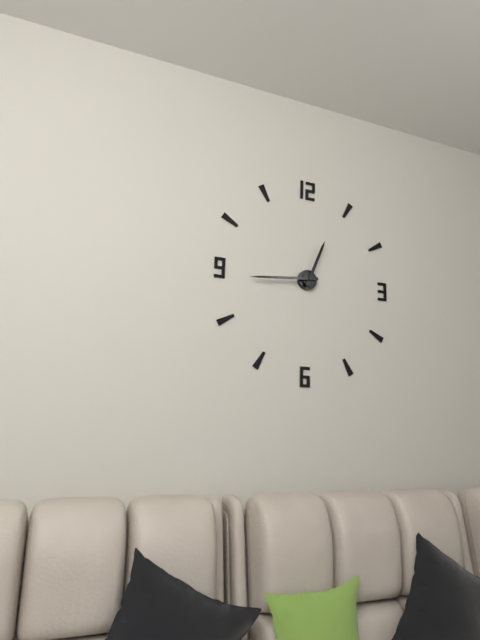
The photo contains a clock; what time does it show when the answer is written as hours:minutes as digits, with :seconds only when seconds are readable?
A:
12:44
